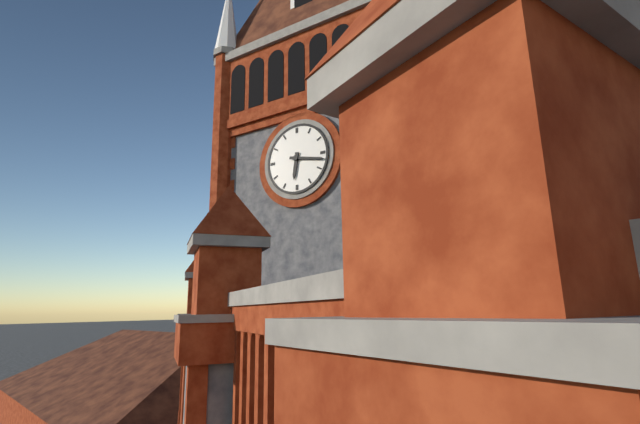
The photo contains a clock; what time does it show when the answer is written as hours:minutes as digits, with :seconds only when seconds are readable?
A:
6:17
